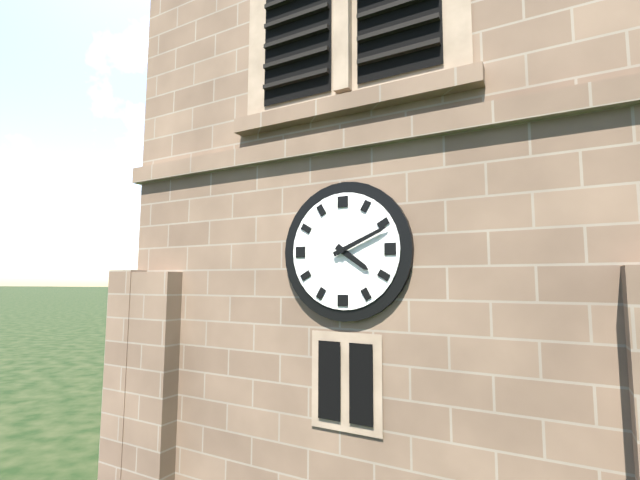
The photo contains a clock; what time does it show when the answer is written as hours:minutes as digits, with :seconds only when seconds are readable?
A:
4:11
